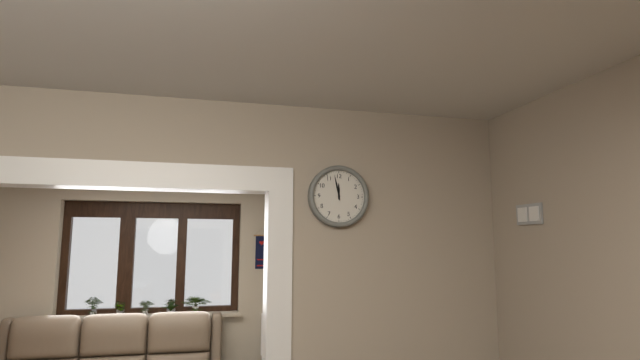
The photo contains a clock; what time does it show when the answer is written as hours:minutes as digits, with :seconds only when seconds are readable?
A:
11:58
